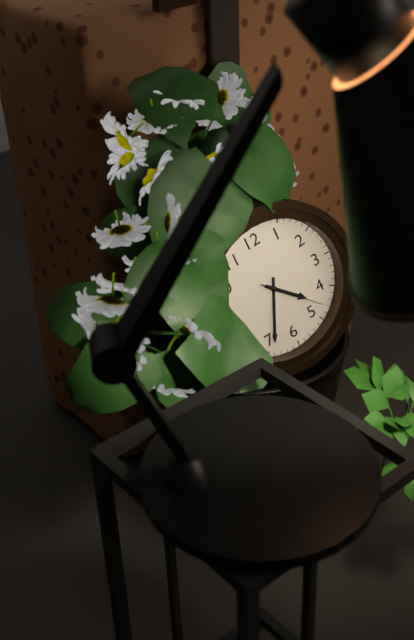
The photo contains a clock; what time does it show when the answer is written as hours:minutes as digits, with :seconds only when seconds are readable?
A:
4:34:23
